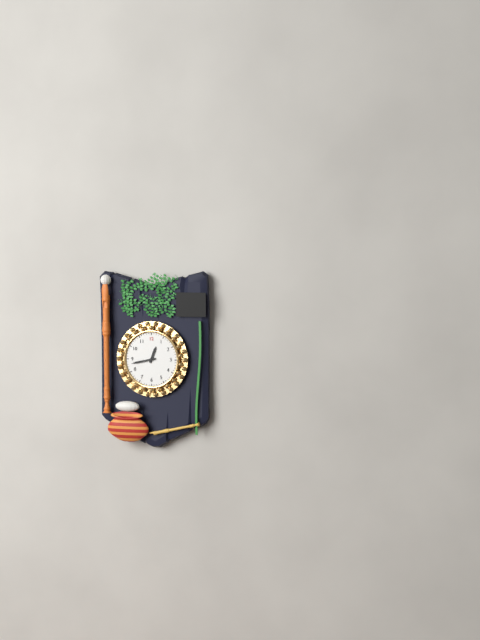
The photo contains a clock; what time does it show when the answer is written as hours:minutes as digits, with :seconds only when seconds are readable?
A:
12:43
